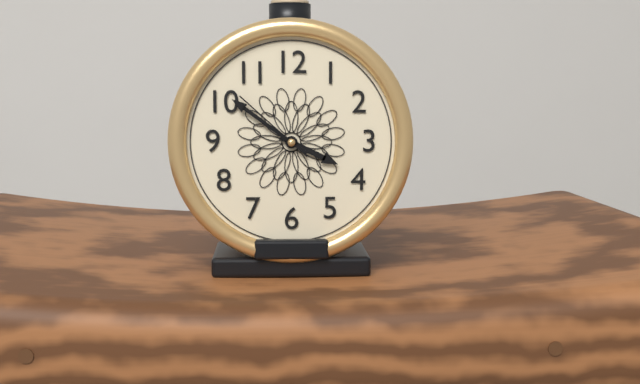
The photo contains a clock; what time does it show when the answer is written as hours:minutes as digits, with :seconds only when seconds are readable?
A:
3:51:52
